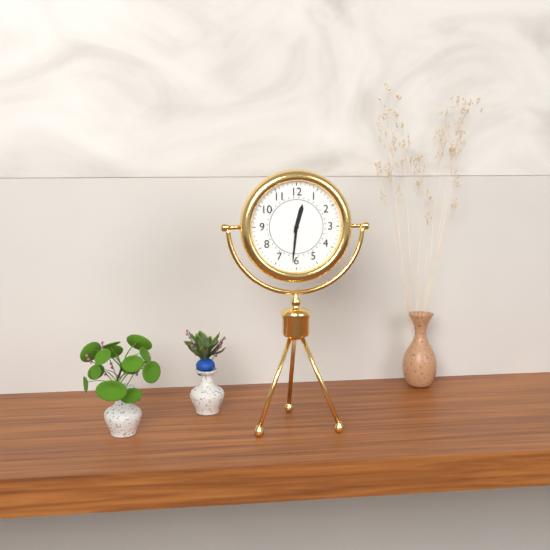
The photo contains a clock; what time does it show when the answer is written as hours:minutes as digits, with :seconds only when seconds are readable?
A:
12:31
